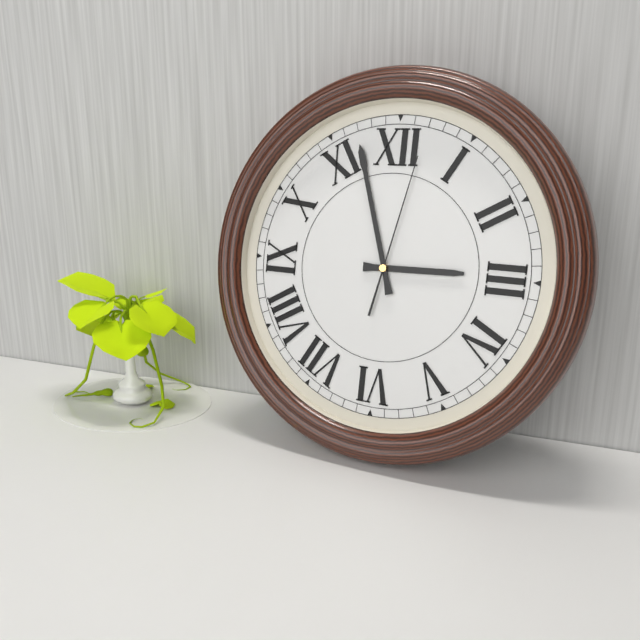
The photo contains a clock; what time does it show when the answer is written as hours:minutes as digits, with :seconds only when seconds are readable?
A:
2:57:02
